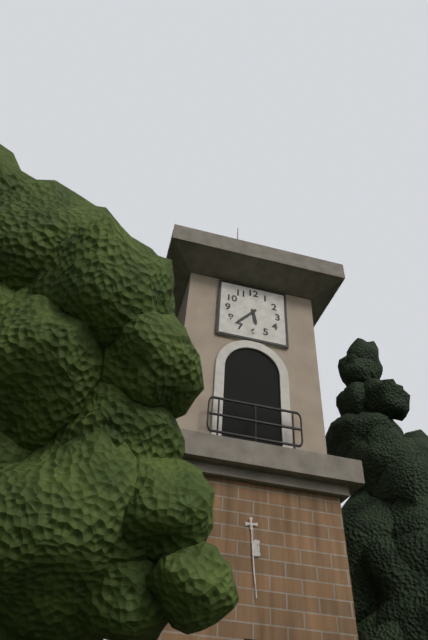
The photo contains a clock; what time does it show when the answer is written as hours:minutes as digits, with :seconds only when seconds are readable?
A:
5:37
